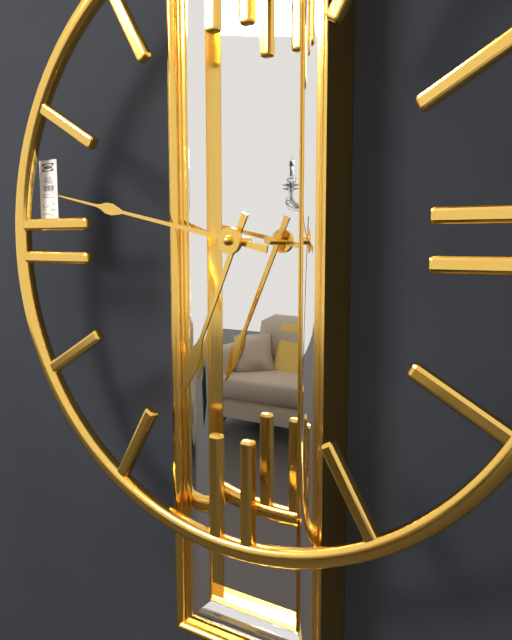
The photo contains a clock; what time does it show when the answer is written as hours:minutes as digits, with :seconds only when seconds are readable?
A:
6:47
